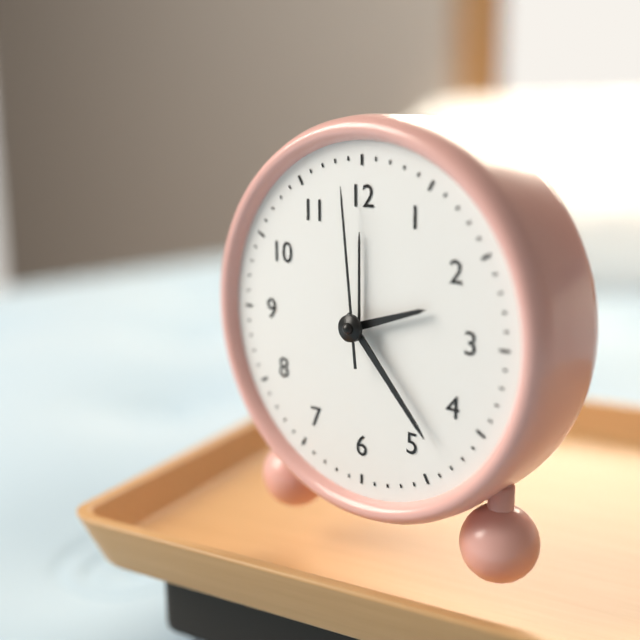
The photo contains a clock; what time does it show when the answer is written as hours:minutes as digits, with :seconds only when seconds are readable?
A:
2:23:59
